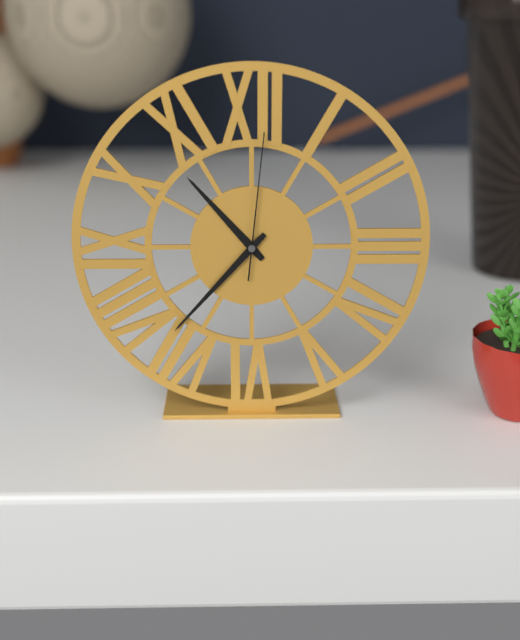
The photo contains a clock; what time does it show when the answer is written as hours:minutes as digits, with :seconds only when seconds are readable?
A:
10:37:01
